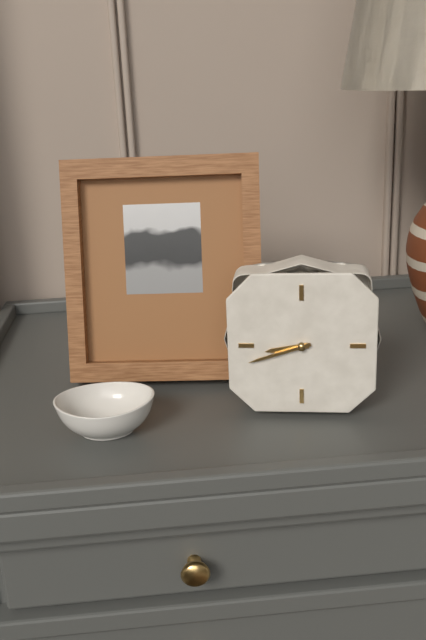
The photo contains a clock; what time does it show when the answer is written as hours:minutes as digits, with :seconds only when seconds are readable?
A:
8:42
